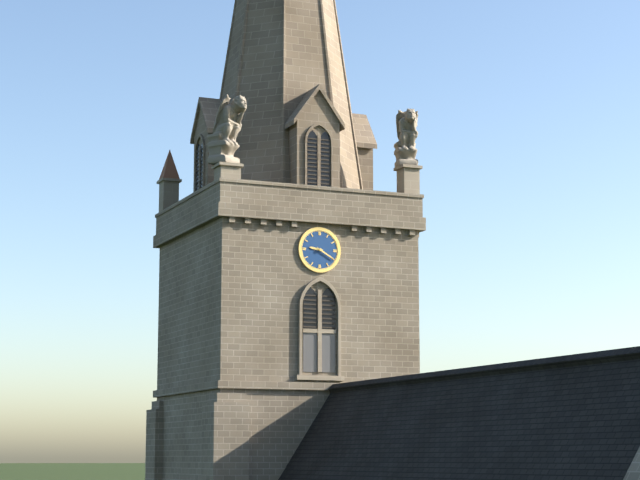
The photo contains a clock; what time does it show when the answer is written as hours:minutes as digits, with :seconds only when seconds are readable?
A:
9:20
